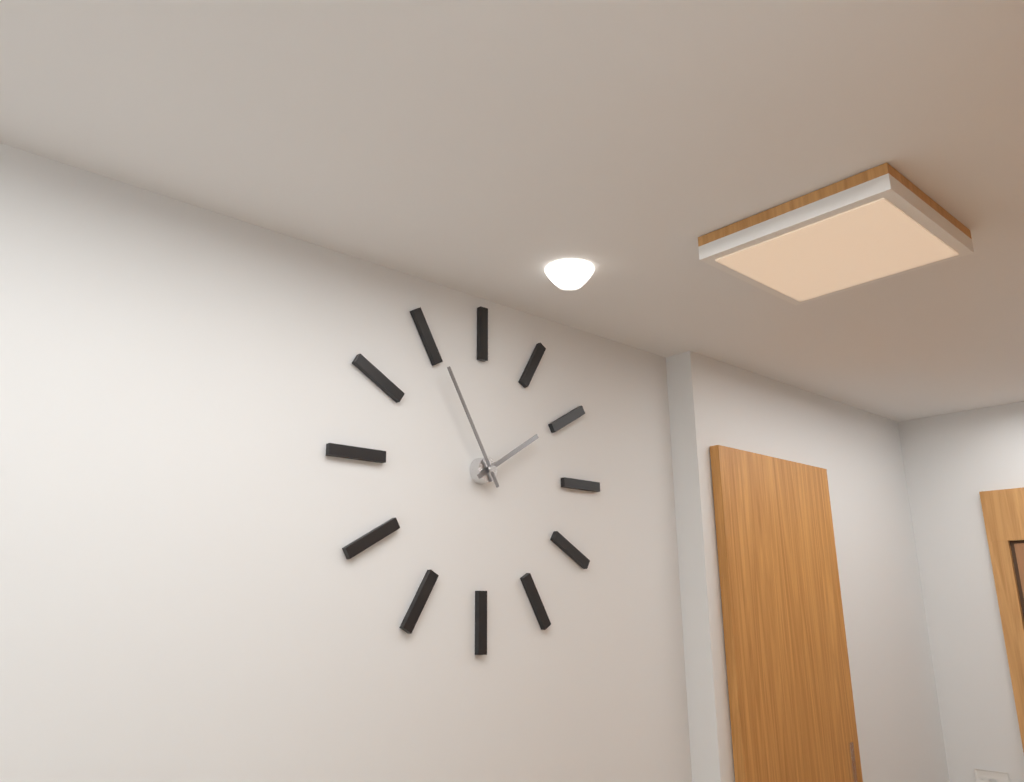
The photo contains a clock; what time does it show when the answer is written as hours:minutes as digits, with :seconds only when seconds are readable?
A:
1:55
